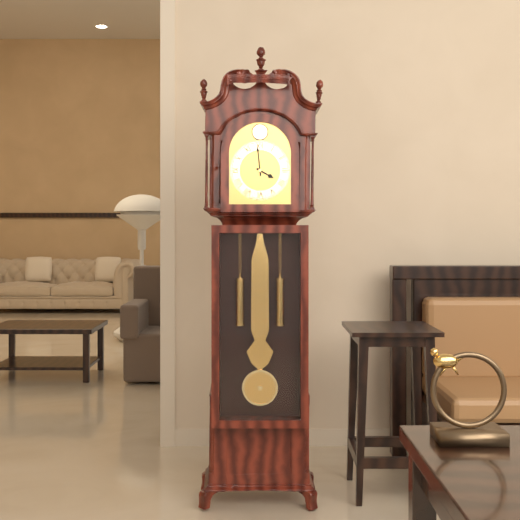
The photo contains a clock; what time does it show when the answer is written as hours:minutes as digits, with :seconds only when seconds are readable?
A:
3:59
